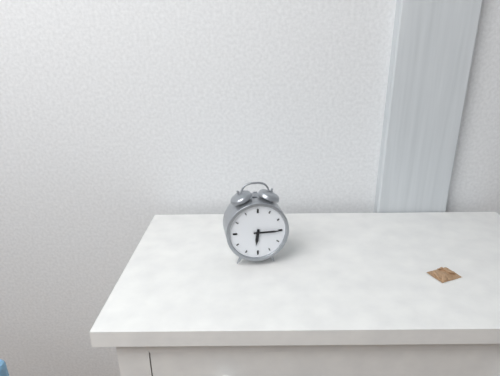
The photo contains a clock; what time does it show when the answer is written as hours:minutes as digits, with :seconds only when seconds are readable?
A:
6:15
